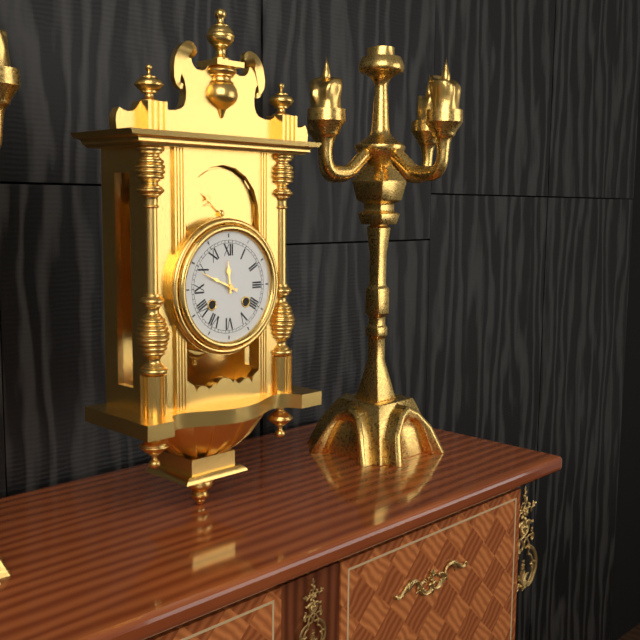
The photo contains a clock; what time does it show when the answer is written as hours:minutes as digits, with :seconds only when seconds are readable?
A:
11:49
